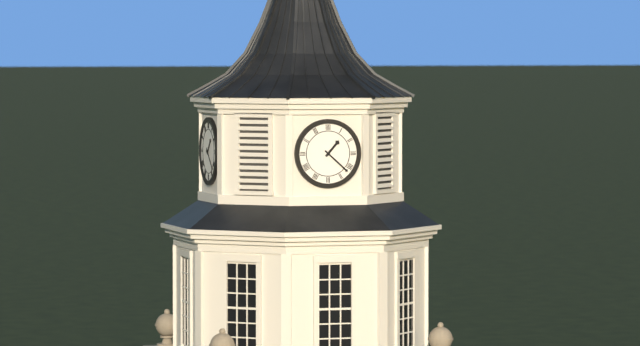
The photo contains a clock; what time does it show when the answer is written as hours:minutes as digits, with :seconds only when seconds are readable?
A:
1:22
